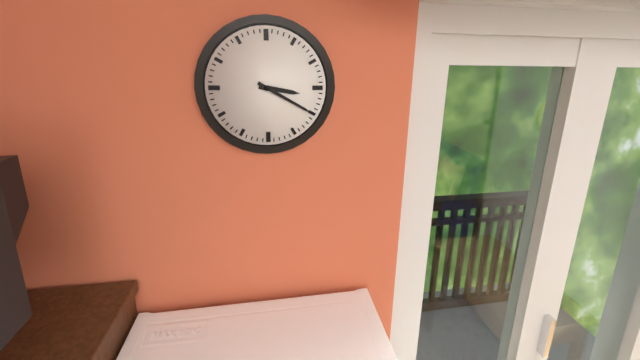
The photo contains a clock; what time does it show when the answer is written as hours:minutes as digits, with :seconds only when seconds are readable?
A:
3:20
